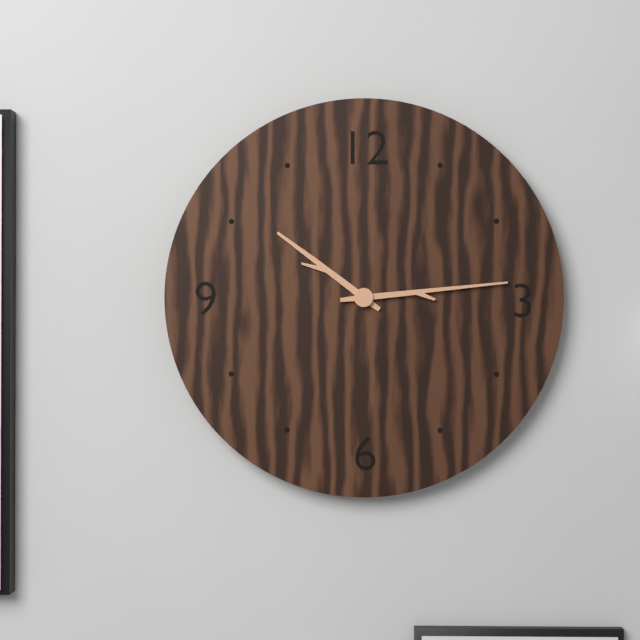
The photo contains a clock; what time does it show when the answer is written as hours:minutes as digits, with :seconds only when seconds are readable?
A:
10:14
